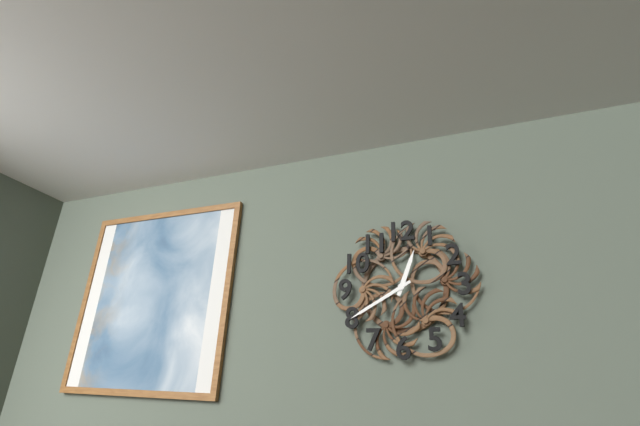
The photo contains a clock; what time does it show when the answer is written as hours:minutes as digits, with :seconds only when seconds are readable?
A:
12:40
